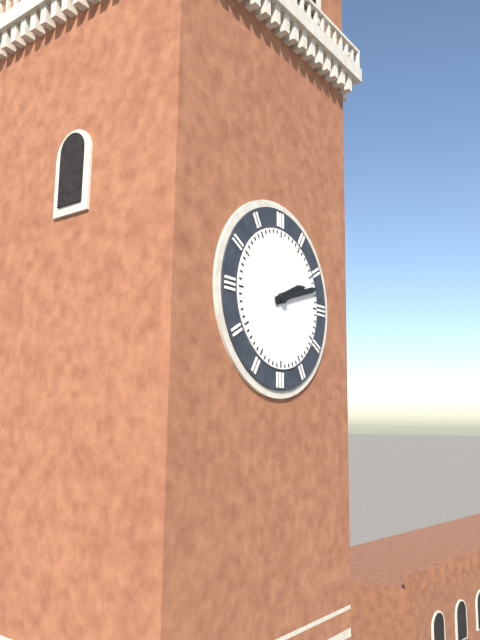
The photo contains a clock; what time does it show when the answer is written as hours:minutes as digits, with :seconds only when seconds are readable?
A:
2:12
